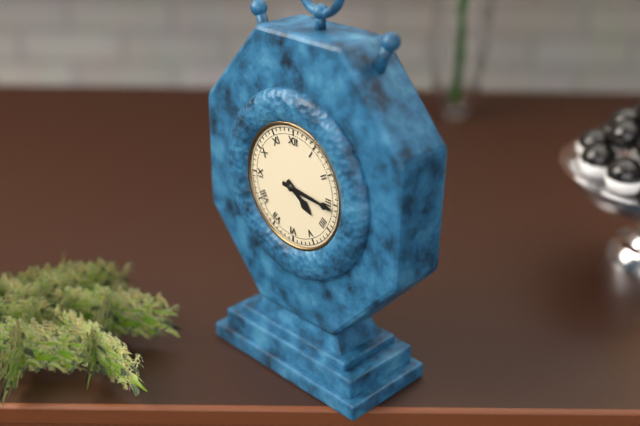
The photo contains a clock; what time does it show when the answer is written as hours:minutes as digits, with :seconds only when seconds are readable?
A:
4:16
